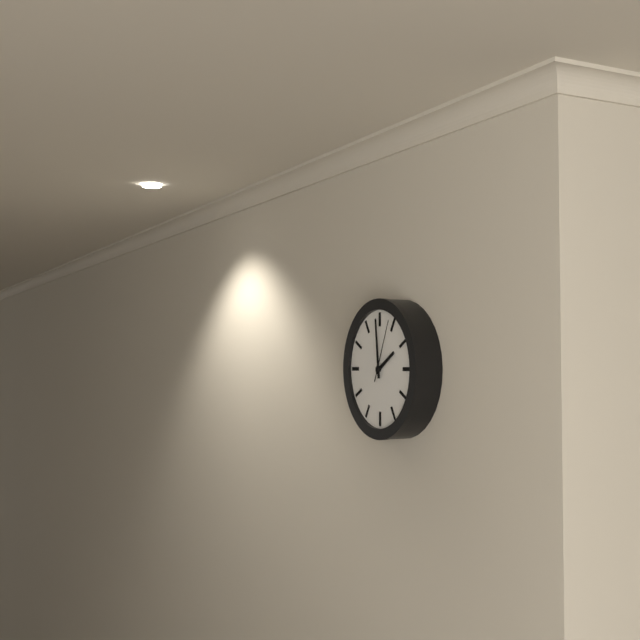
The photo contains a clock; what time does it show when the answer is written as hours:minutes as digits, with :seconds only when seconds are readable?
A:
1:59:04
